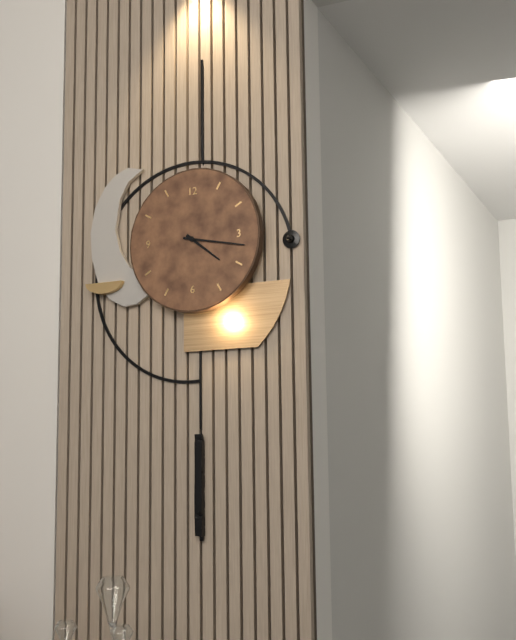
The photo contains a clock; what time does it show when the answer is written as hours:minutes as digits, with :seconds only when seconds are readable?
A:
4:17
